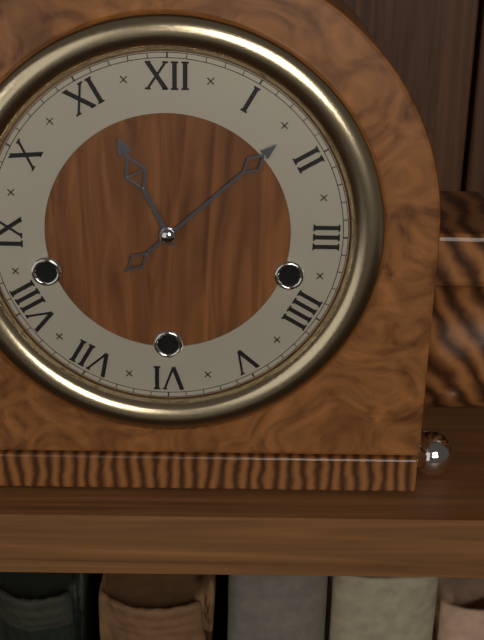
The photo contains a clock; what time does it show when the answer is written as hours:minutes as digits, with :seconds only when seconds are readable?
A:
11:08
